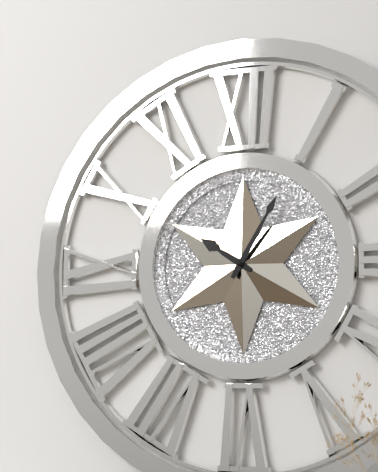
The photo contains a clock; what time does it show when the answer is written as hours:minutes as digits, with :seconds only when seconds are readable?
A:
10:05
